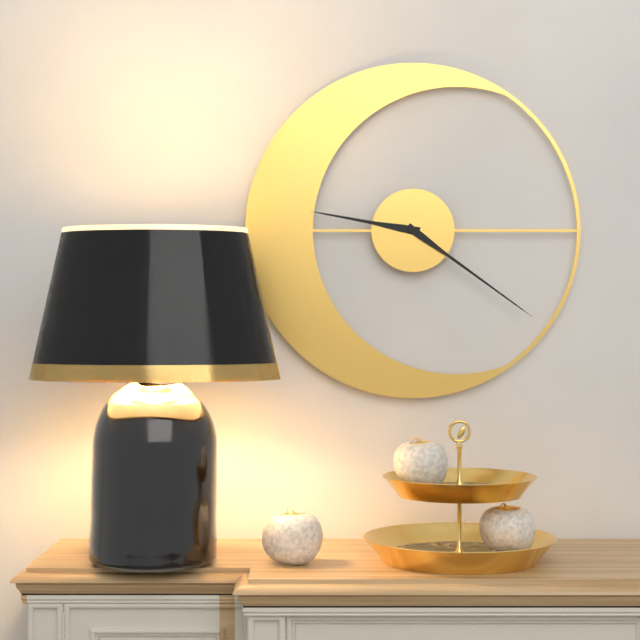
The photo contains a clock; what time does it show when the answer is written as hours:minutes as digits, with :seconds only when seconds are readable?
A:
9:21
